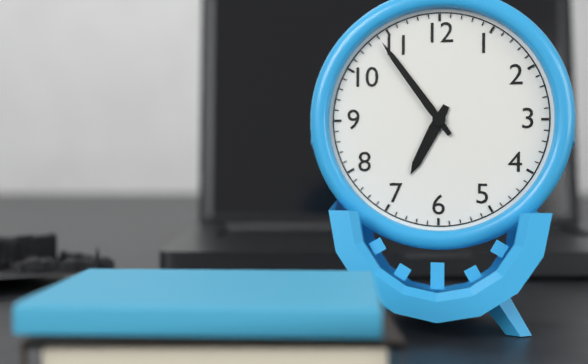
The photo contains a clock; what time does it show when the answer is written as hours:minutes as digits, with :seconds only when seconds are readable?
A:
6:54
